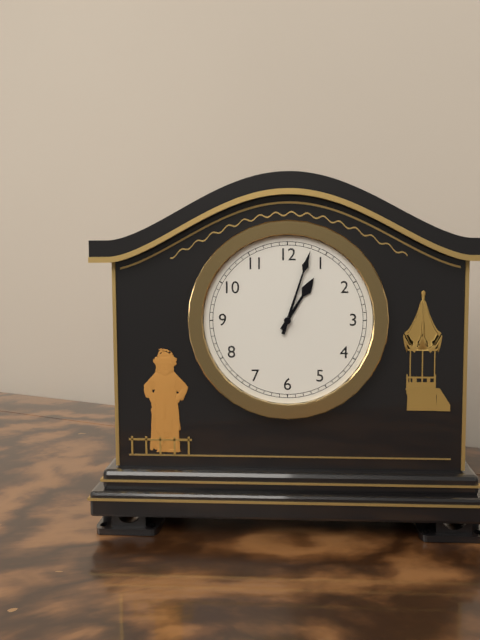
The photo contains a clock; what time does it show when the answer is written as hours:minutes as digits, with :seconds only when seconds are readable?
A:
1:03
